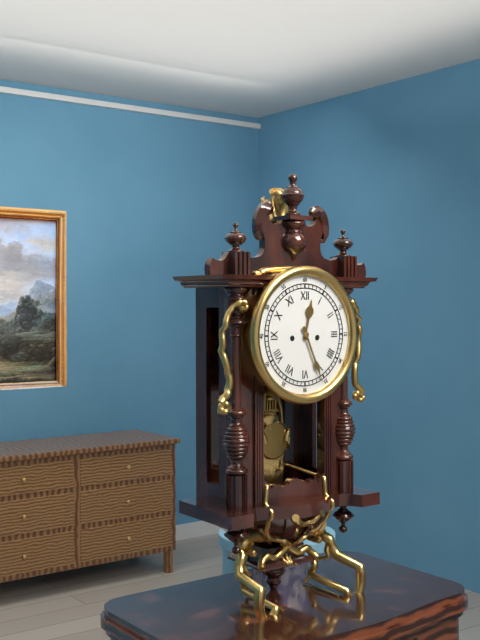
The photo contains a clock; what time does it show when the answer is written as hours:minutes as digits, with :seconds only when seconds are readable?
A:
12:26
